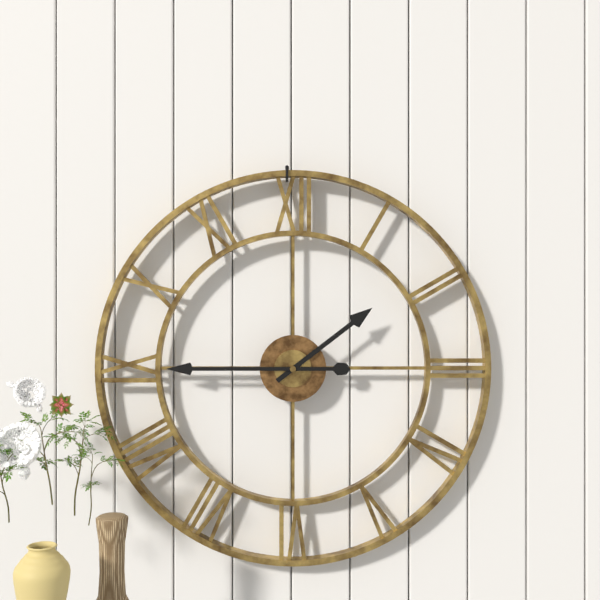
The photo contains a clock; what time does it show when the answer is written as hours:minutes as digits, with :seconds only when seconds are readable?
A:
1:45
